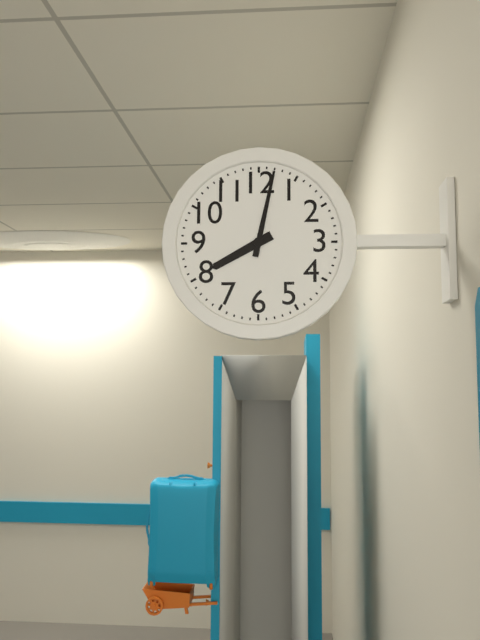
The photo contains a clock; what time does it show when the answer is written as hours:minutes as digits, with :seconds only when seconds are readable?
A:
8:02
